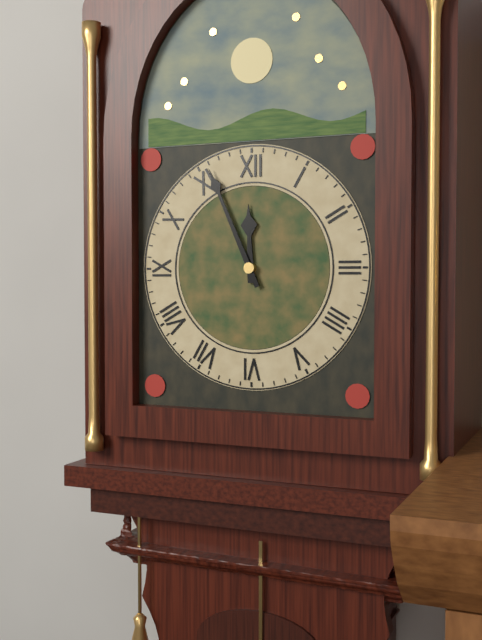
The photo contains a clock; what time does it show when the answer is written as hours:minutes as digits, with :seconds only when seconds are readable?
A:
11:56
